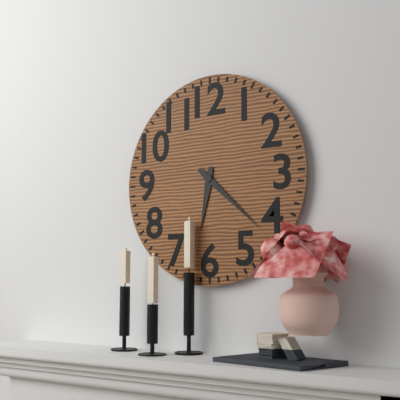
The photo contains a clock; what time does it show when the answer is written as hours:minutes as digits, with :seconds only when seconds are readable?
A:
6:22
